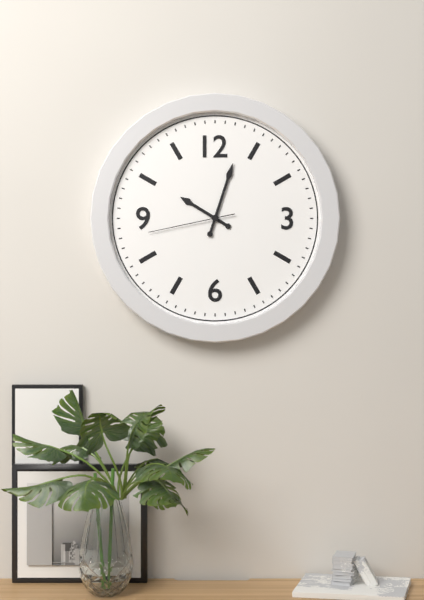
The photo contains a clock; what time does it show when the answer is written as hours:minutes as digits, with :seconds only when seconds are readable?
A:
10:03:43
